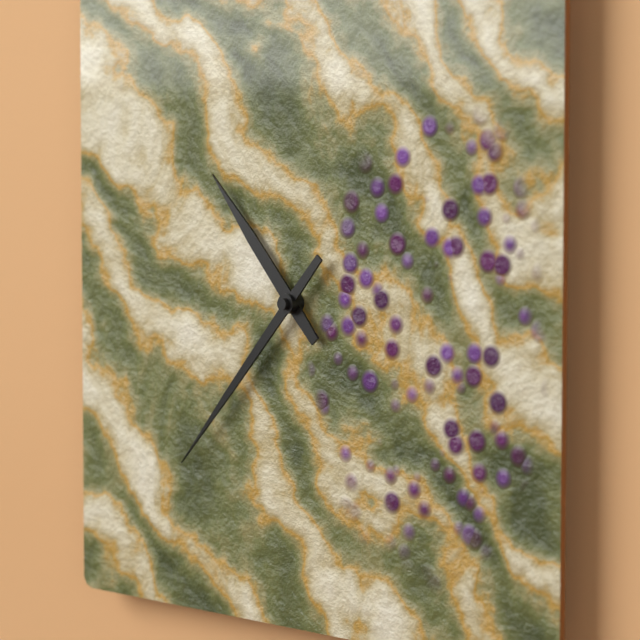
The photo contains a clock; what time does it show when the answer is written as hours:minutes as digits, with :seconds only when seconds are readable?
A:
10:37
